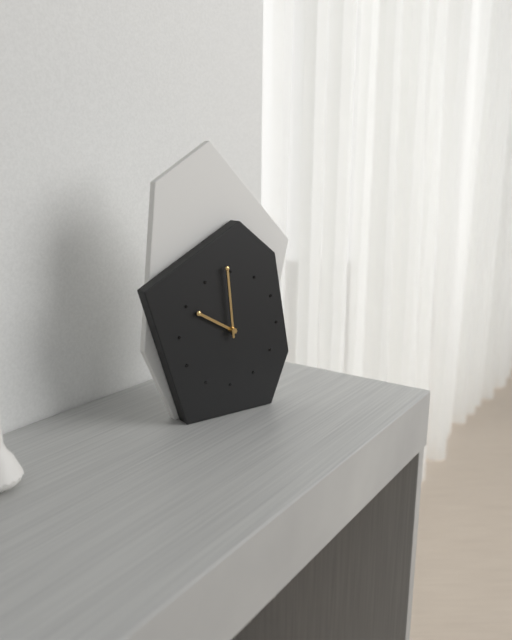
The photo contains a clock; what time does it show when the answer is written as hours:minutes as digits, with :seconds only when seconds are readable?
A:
9:59
